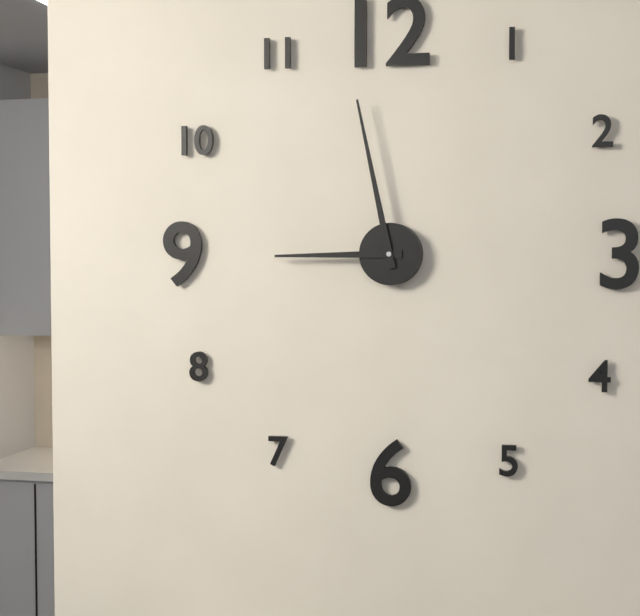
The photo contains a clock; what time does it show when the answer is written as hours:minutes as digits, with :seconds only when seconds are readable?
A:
8:58
